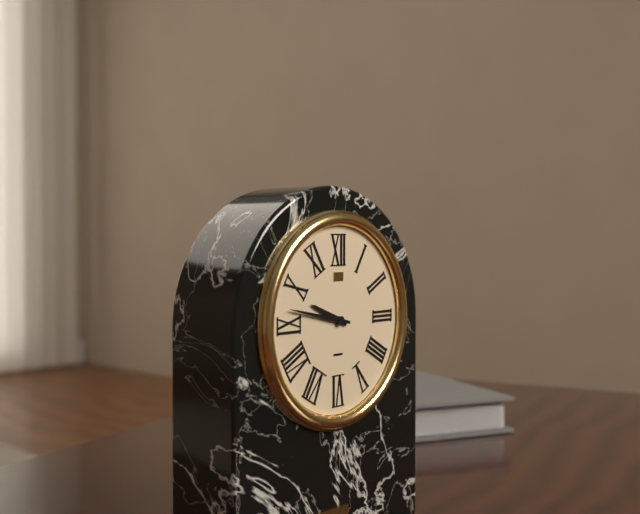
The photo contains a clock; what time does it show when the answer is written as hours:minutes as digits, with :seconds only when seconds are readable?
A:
9:47
